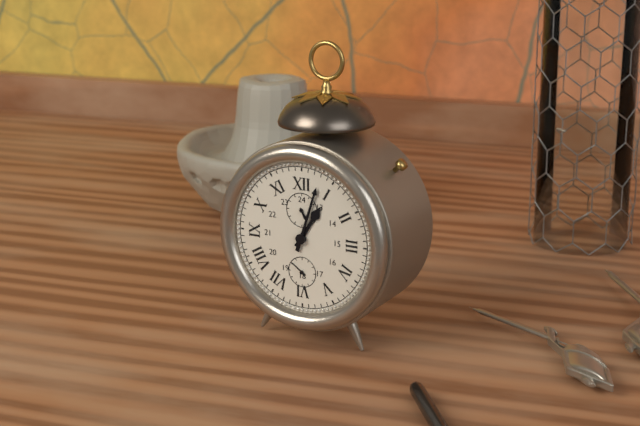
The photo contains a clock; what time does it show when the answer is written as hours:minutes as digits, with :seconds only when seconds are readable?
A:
1:03
